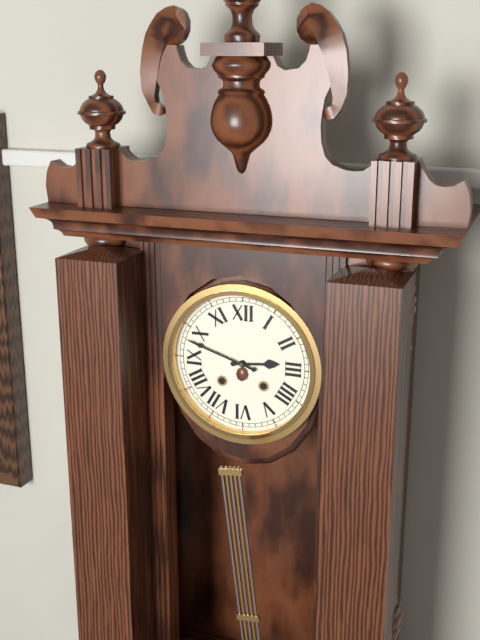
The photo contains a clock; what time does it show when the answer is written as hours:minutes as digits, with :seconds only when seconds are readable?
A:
2:48
